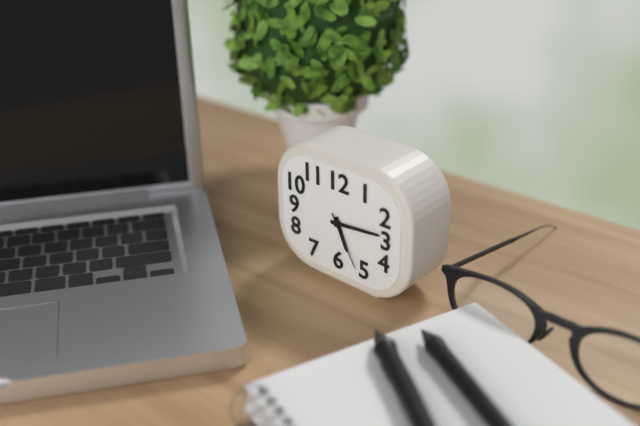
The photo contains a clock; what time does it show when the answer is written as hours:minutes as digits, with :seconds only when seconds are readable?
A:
5:14:25
